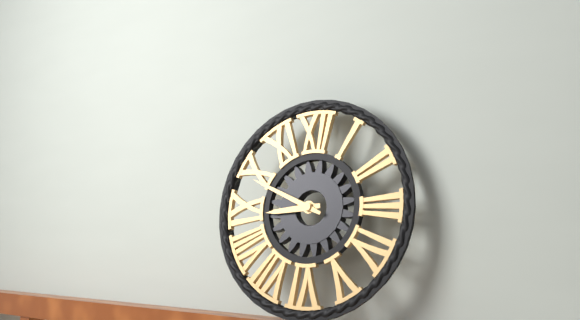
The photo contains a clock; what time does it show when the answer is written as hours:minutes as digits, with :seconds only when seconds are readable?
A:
8:49
